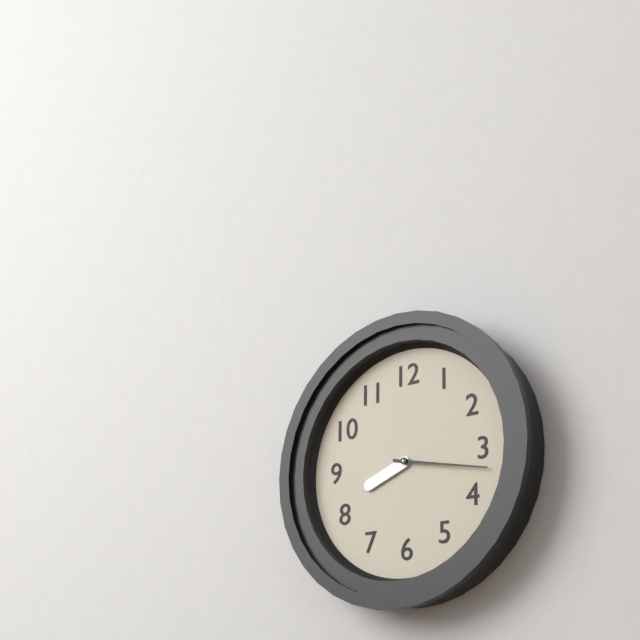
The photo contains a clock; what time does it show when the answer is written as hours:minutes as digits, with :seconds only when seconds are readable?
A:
8:17
